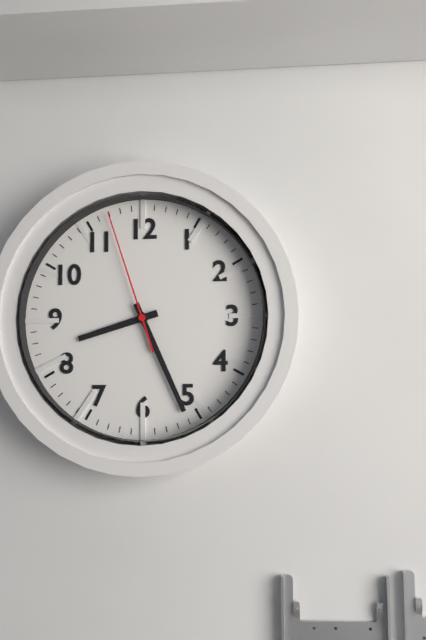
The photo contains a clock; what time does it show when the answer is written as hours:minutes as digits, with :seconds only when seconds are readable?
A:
8:26:57
